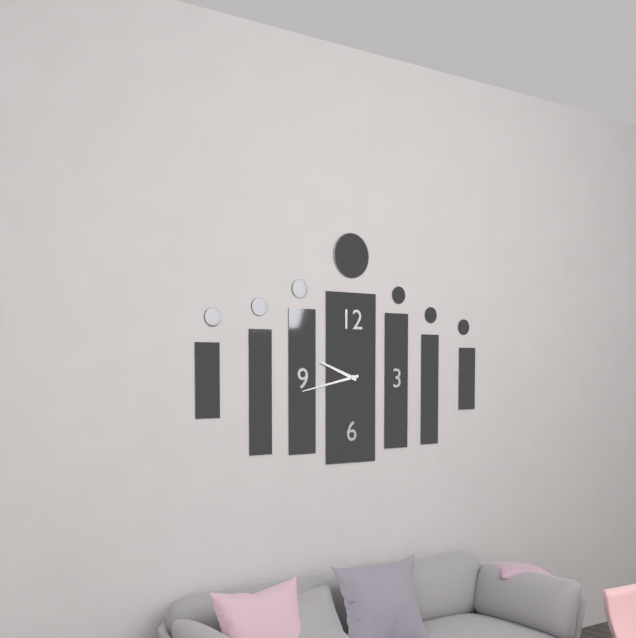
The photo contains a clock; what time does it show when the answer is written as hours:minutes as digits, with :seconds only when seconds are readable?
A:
9:43
